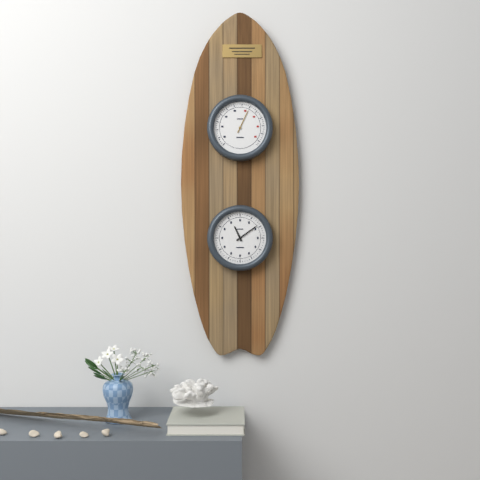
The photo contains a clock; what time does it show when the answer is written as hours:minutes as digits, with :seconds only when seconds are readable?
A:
11:09
